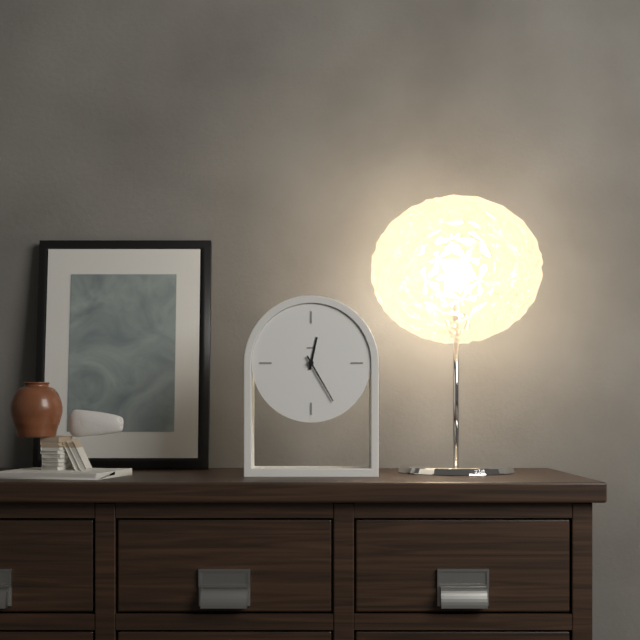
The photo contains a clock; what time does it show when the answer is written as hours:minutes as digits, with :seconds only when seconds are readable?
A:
12:25
